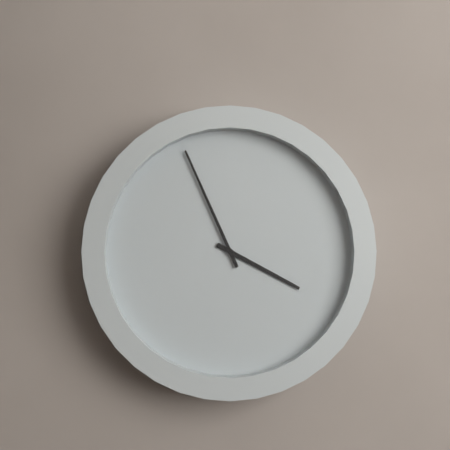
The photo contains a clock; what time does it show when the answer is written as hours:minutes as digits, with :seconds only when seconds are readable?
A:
3:56
